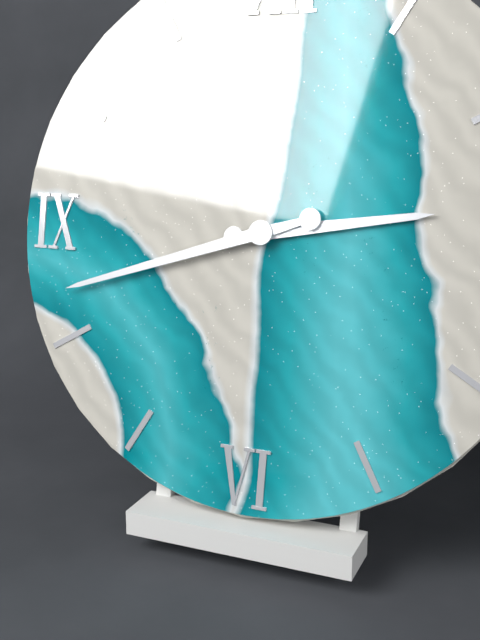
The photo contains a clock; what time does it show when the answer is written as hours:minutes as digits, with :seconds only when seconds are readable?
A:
2:42
